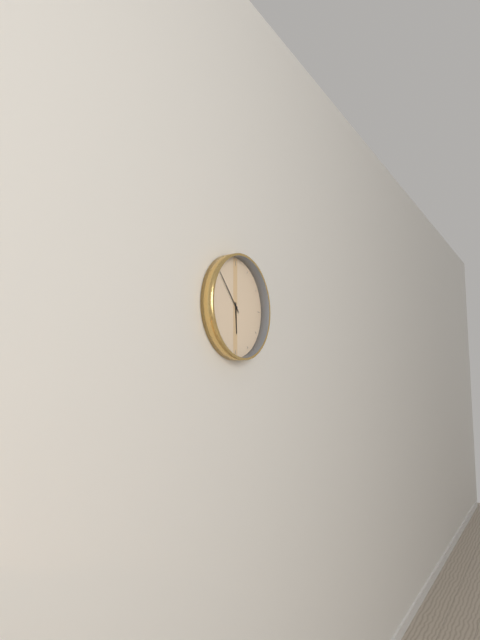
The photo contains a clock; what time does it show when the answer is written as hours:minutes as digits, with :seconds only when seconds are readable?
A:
5:53
